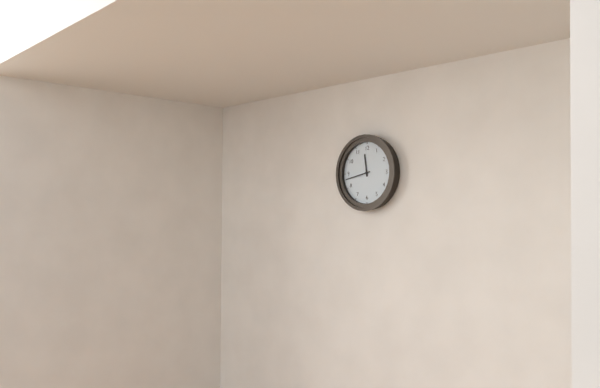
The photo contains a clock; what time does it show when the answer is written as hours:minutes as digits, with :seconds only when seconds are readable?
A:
11:43
